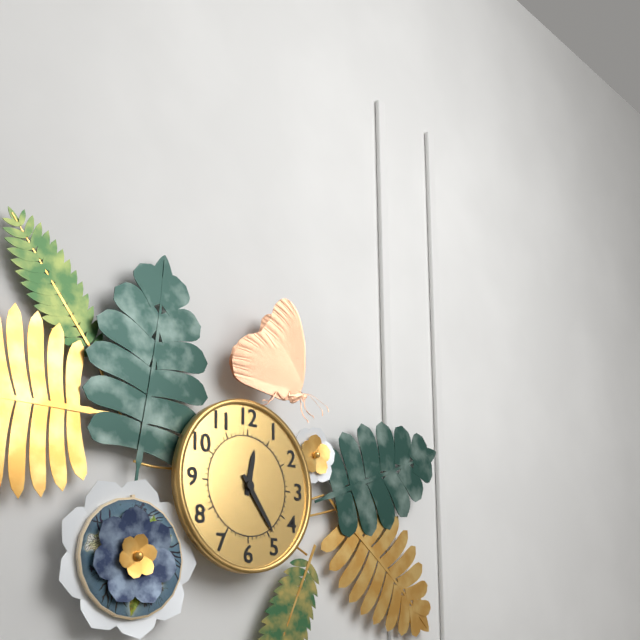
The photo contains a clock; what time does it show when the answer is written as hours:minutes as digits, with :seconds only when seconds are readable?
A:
12:24
